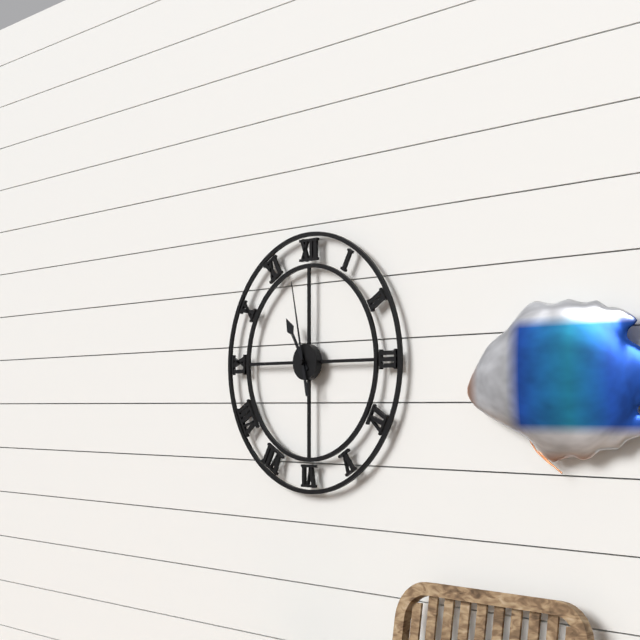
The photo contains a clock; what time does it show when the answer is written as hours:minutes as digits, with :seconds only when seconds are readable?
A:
10:58
